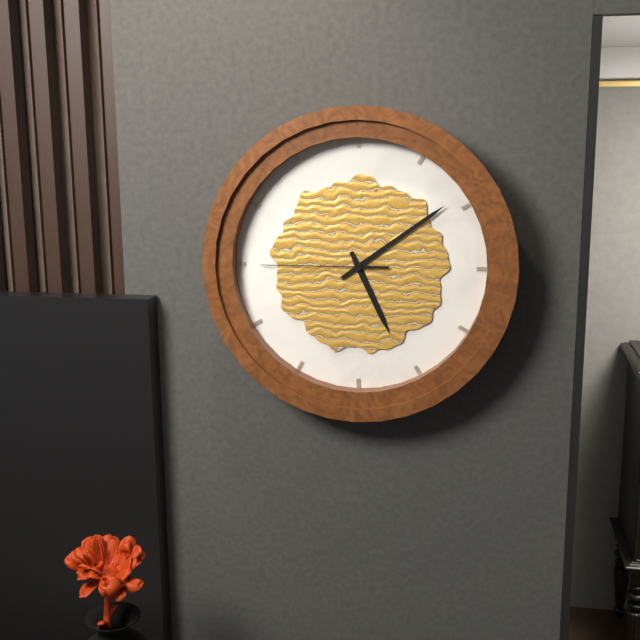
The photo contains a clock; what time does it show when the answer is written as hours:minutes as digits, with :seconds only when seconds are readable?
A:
5:09:45
